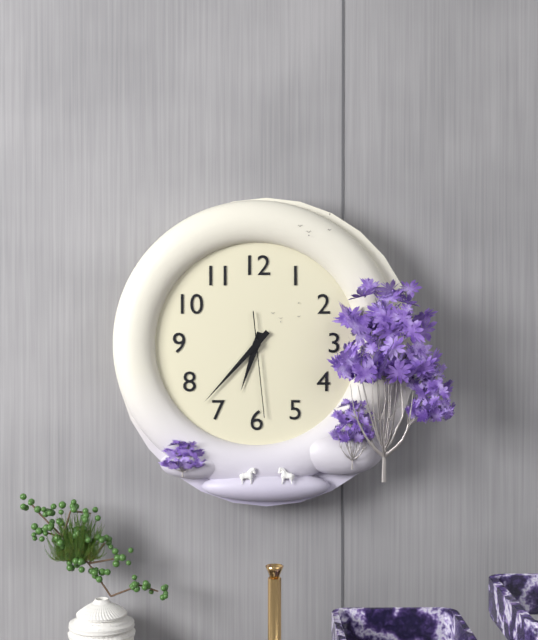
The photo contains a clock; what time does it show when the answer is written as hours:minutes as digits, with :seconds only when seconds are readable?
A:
6:37:29
